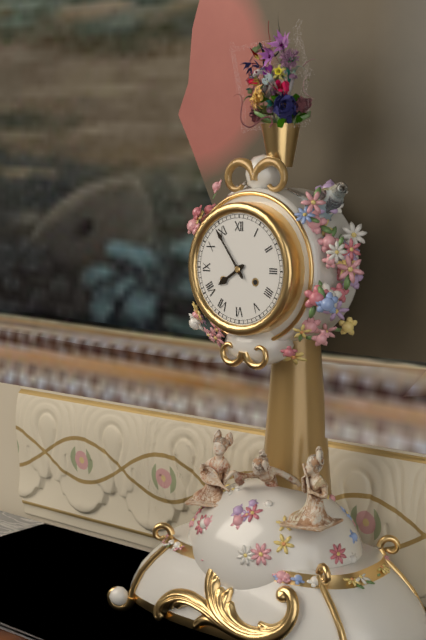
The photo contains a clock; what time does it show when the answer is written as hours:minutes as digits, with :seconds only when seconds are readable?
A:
7:54
